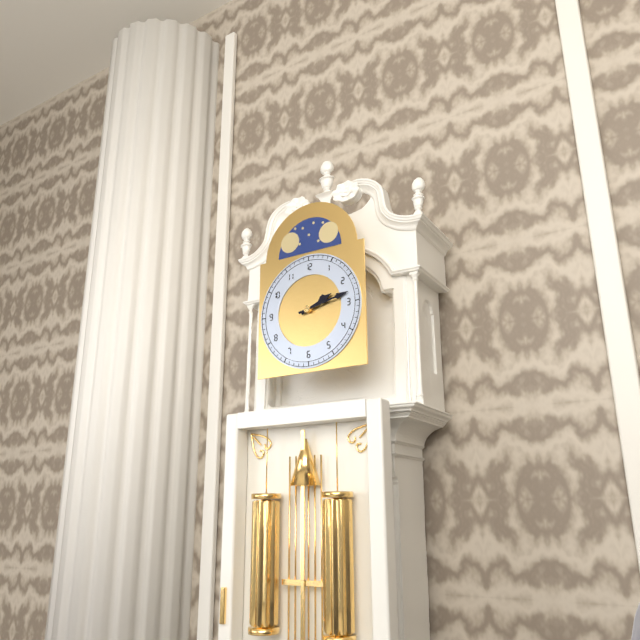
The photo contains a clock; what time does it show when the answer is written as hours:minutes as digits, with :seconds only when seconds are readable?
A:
2:13
